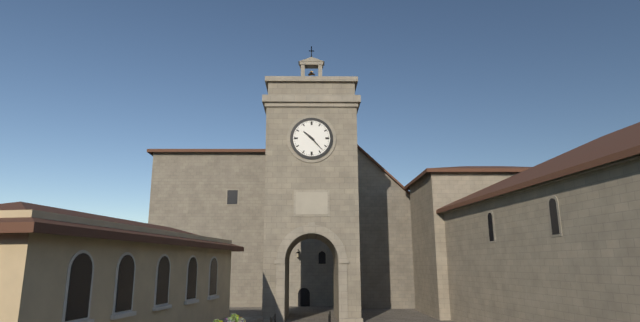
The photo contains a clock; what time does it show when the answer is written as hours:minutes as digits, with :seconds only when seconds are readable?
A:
10:23
